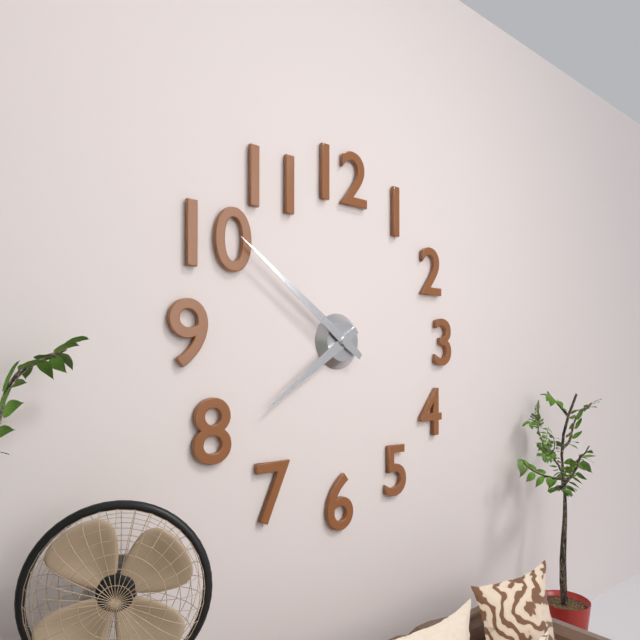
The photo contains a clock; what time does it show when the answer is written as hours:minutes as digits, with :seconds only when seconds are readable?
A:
7:51
